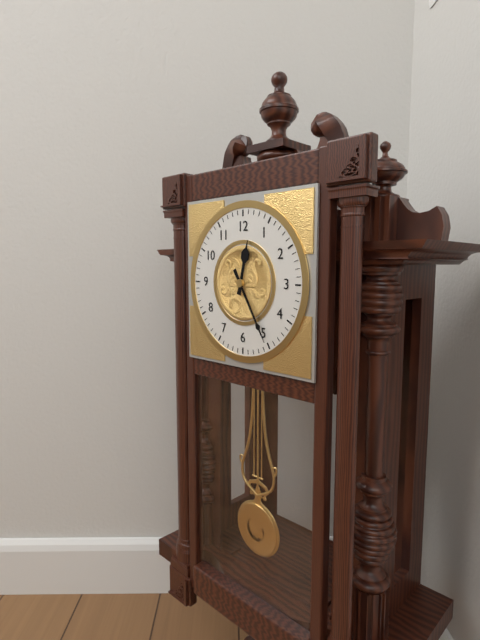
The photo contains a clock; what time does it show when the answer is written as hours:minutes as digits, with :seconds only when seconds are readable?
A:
12:25
